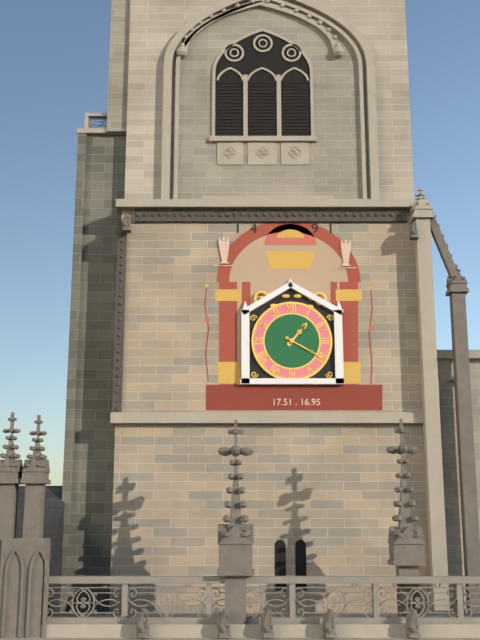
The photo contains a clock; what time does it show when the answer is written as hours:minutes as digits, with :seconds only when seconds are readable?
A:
1:20
